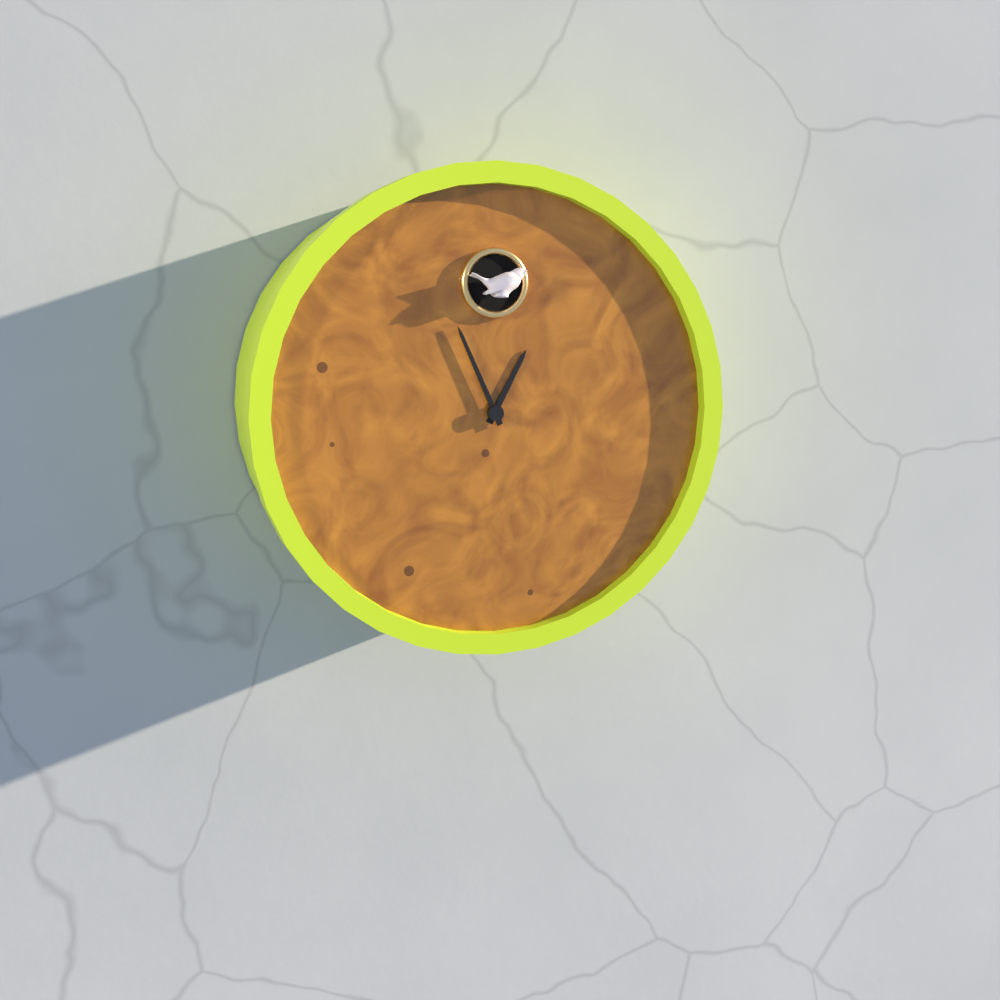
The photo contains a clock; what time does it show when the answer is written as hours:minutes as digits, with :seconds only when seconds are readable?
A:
12:56
